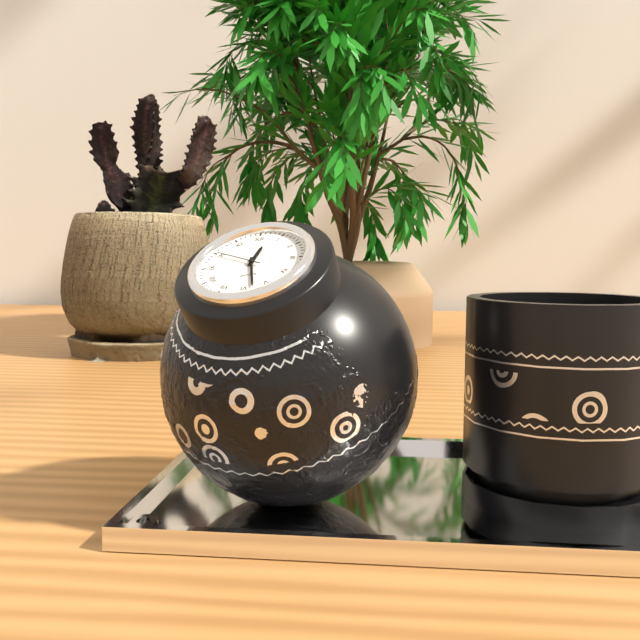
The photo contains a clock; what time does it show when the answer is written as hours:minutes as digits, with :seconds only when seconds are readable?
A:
12:28:50
